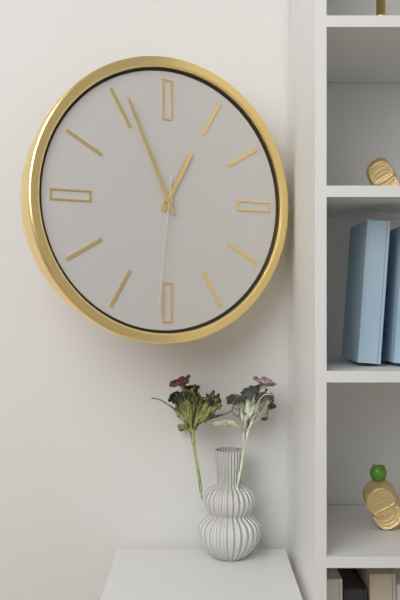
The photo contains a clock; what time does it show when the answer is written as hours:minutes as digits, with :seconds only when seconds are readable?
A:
12:56:31
